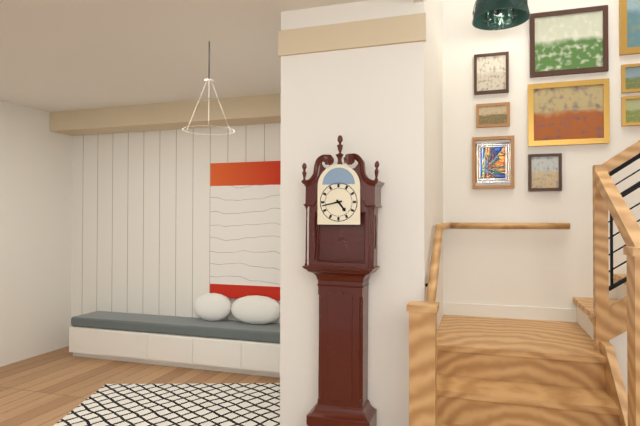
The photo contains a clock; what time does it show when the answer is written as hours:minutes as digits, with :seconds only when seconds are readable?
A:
4:43
